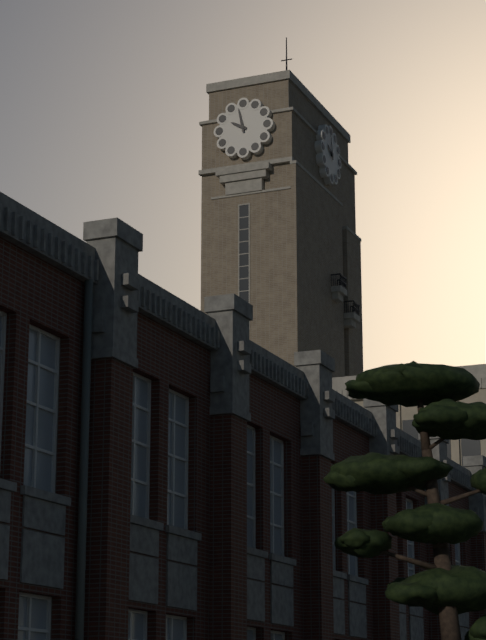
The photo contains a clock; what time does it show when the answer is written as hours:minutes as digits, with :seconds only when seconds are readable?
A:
9:58
